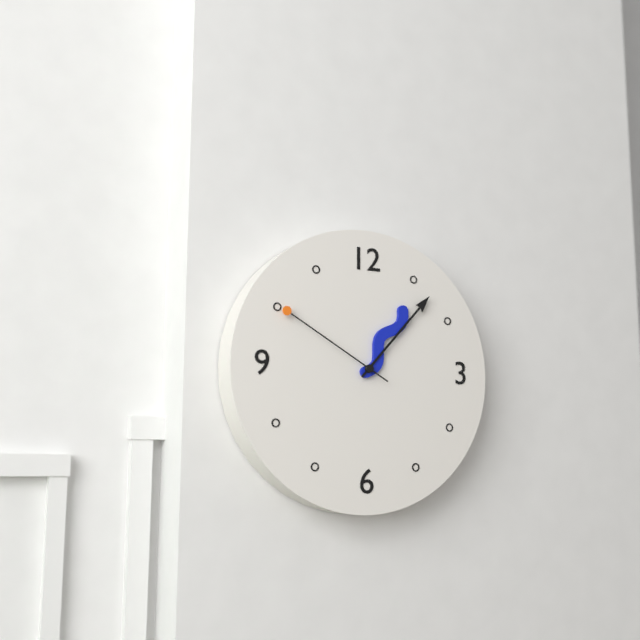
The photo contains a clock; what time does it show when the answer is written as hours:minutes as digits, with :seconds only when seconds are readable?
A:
1:07:50
